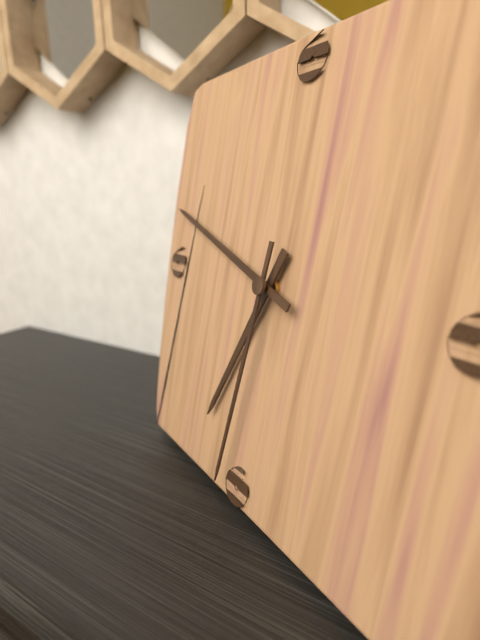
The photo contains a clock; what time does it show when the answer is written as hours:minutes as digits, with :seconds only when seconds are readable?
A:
6:48:31
